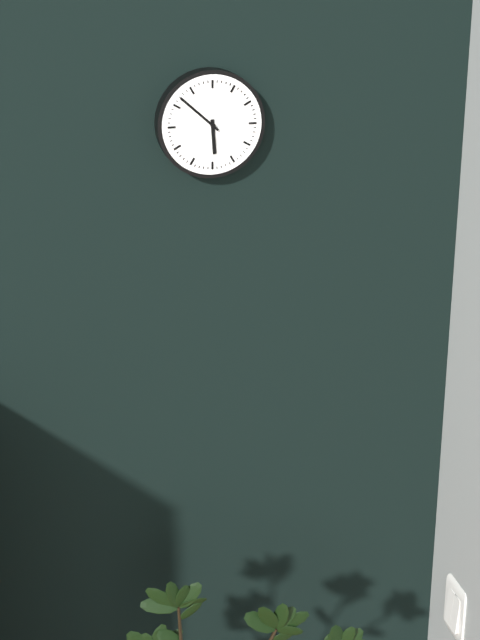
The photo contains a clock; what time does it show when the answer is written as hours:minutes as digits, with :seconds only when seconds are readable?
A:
5:52
